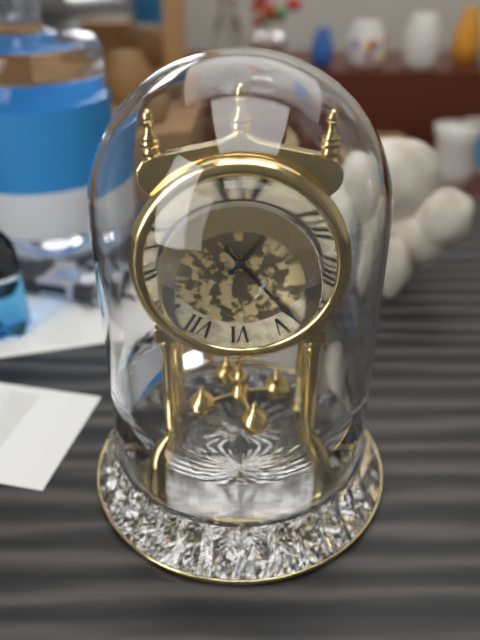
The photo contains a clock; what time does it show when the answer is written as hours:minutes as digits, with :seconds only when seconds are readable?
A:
1:23
